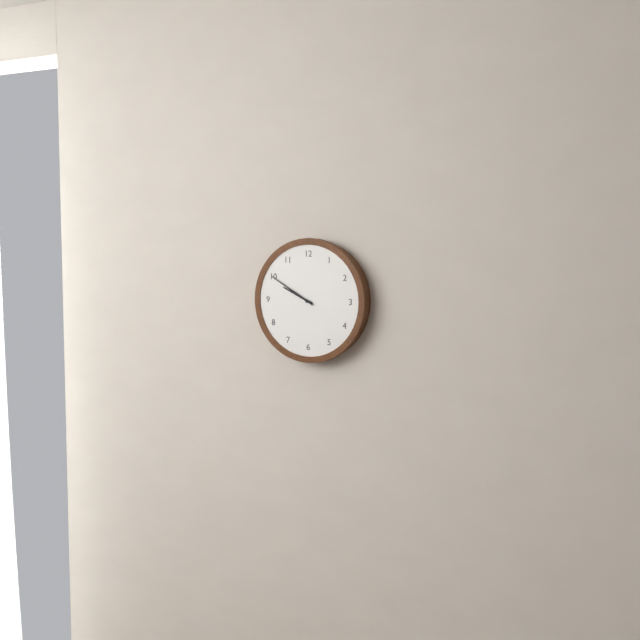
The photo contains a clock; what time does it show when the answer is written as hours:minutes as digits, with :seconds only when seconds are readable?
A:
9:50
